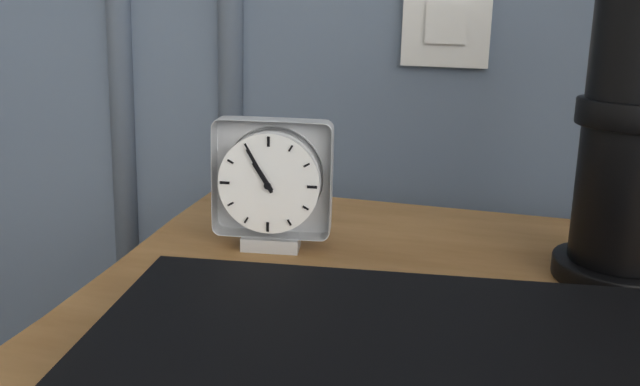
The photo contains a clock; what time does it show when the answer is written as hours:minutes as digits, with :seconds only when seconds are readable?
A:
10:55
